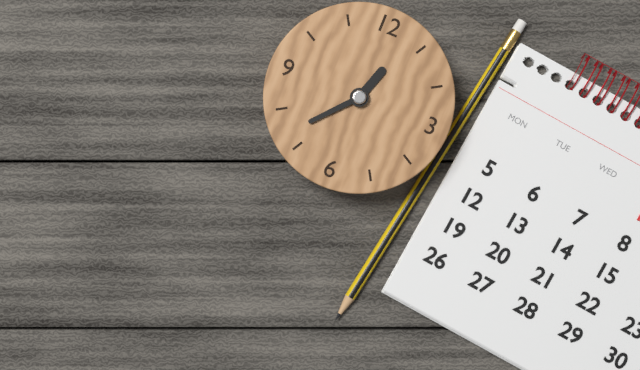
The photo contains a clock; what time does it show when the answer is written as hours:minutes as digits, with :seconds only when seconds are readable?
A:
12:37
